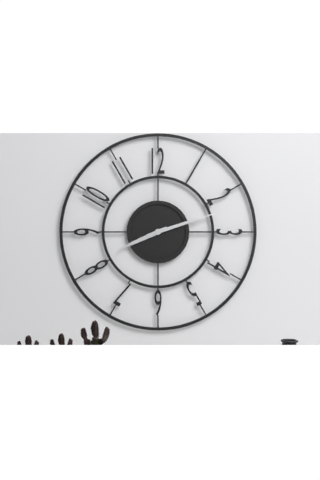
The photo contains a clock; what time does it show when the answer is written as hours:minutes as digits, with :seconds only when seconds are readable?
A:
8:12
